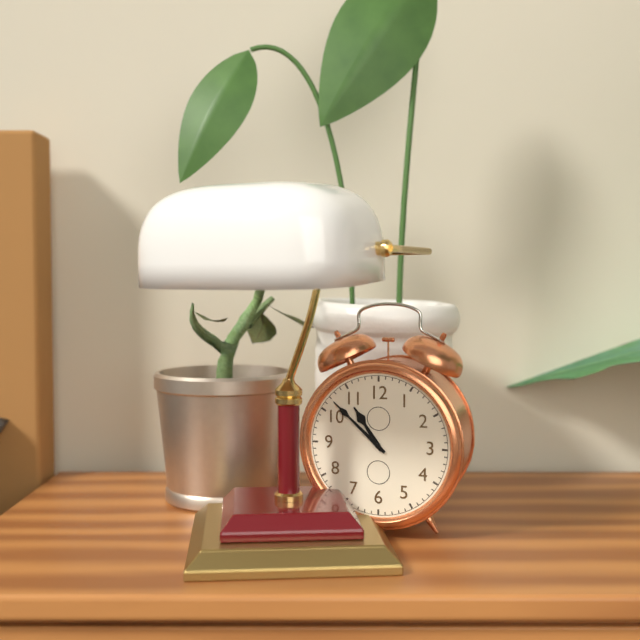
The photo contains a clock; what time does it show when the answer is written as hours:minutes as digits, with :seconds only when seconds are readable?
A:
10:52
